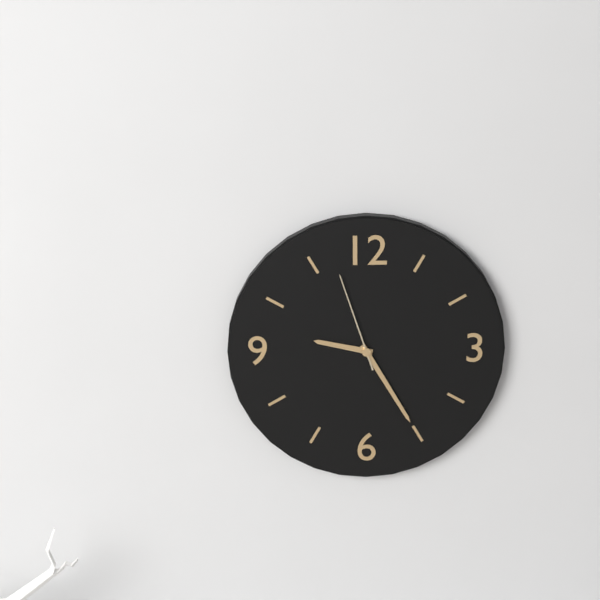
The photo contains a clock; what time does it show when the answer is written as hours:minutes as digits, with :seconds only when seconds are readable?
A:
9:25:57
